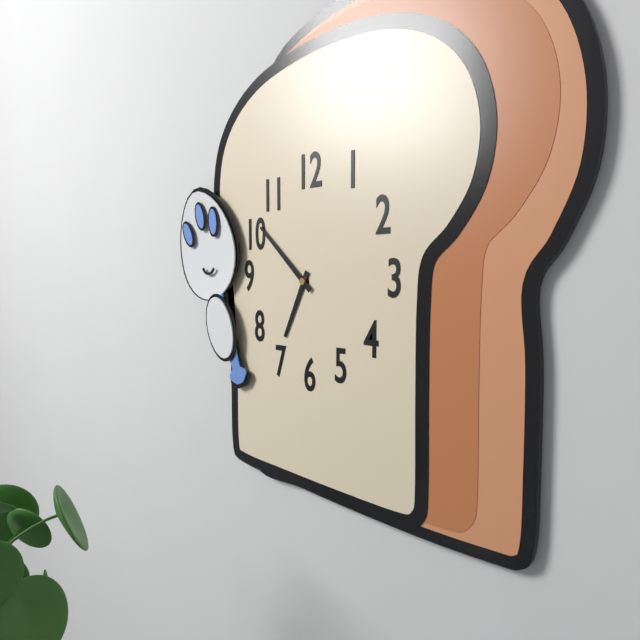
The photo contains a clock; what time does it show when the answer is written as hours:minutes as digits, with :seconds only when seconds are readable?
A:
6:52
